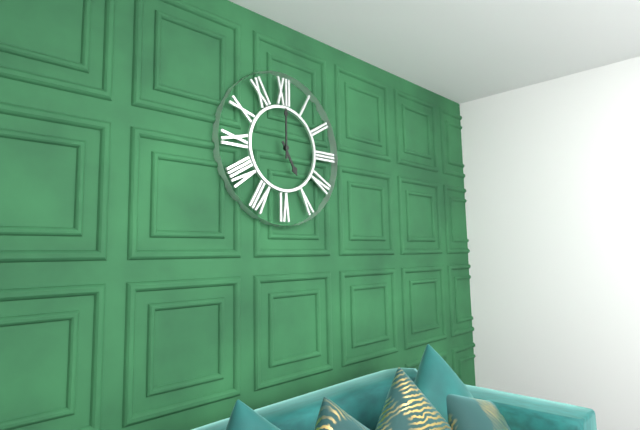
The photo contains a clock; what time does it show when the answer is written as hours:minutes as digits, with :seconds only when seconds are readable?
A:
5:00
